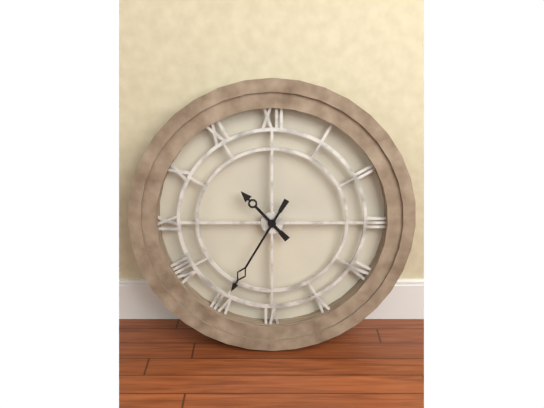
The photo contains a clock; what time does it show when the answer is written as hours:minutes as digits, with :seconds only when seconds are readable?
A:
10:35
